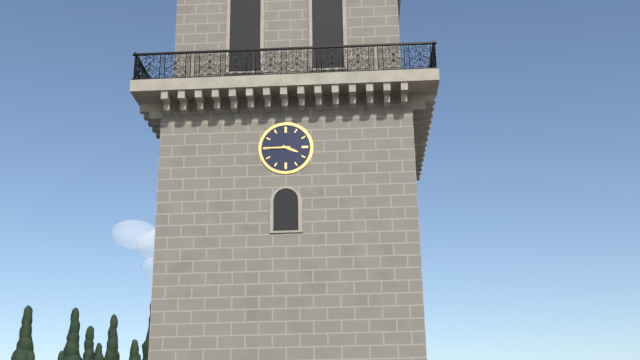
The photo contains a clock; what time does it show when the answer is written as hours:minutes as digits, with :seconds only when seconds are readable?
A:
3:45
